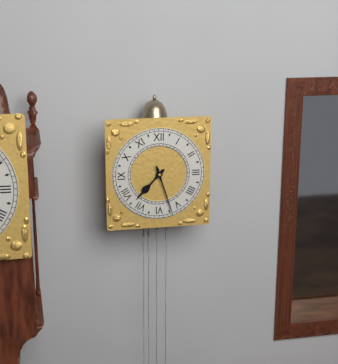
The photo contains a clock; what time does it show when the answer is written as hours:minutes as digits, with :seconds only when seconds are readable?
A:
7:27
